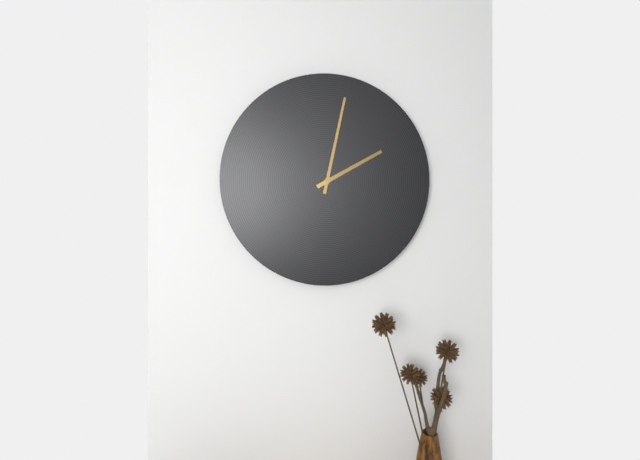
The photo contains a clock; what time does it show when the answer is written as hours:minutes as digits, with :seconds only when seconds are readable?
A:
2:02
